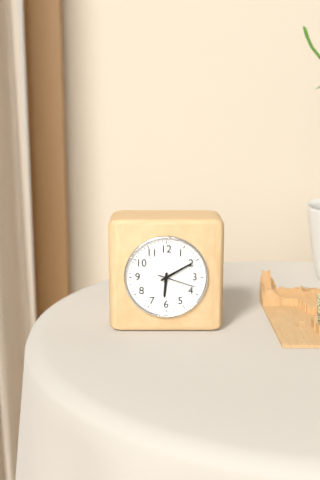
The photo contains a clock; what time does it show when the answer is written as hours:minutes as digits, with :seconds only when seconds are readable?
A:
6:10
